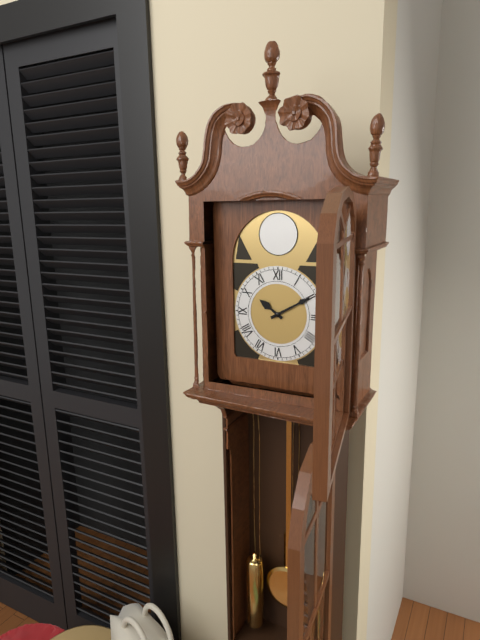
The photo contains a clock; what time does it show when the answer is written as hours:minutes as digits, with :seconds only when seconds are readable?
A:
10:10
